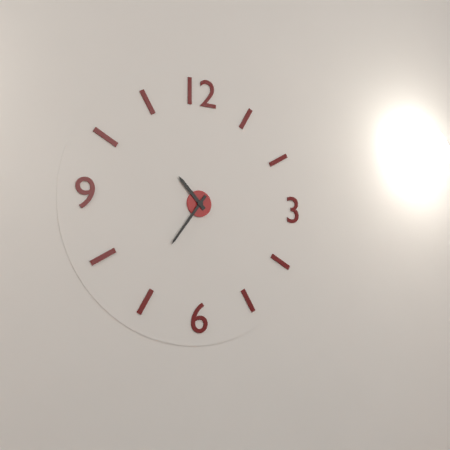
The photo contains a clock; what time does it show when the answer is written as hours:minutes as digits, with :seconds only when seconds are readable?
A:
10:36
